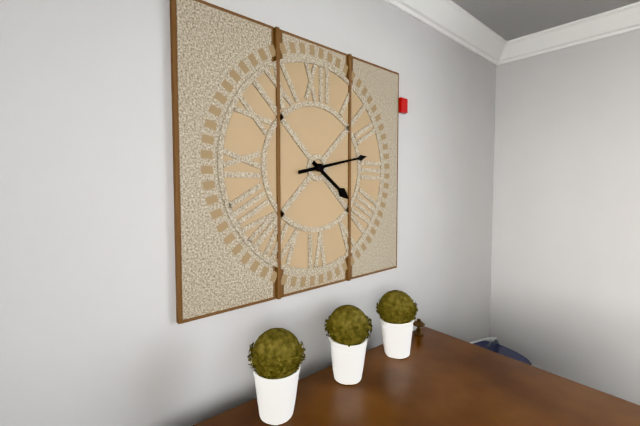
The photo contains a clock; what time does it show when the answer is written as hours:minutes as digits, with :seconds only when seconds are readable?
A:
4:13
